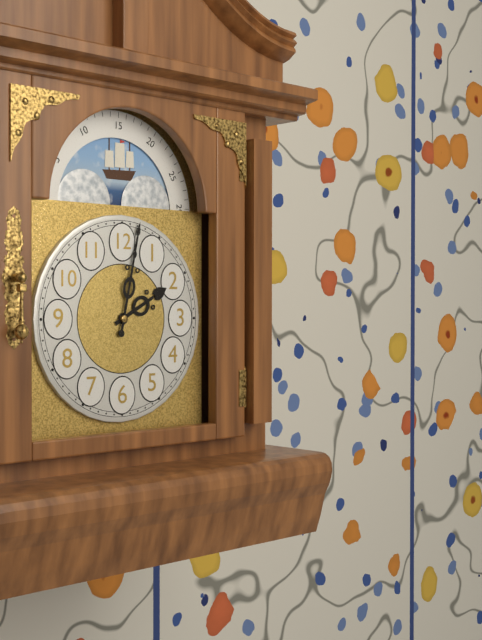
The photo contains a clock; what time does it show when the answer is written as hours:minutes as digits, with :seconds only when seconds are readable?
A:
2:02
